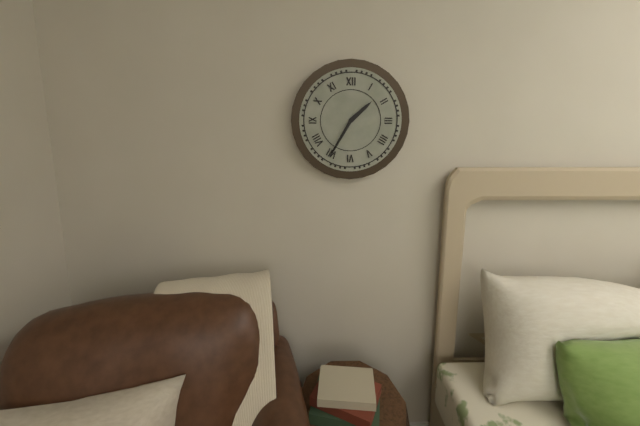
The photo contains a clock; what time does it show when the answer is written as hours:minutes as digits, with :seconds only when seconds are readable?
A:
1:35
